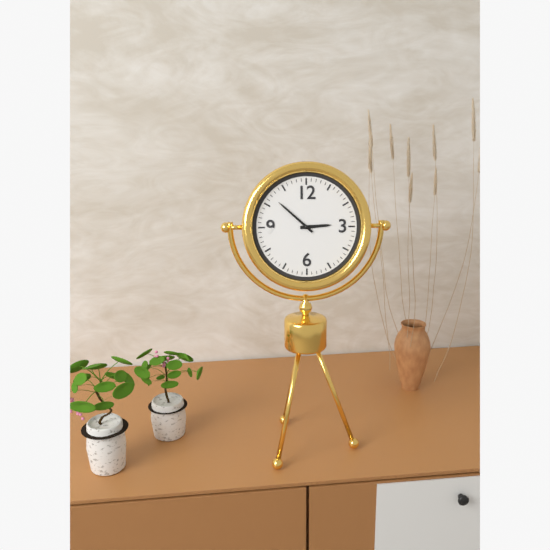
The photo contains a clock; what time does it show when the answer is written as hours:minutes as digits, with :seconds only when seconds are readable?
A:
2:52
